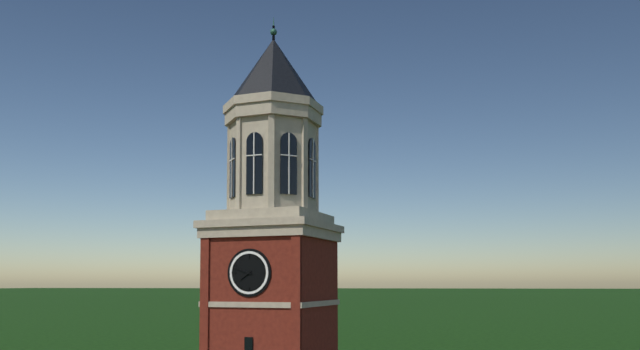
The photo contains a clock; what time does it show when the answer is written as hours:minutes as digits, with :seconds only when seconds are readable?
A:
7:48
